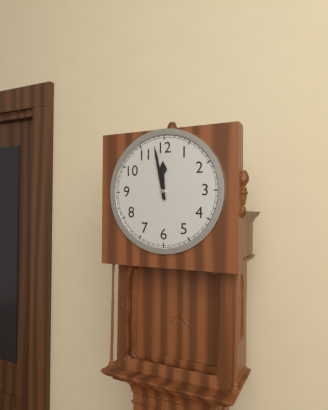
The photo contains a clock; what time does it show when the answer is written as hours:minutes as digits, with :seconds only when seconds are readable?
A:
11:58
